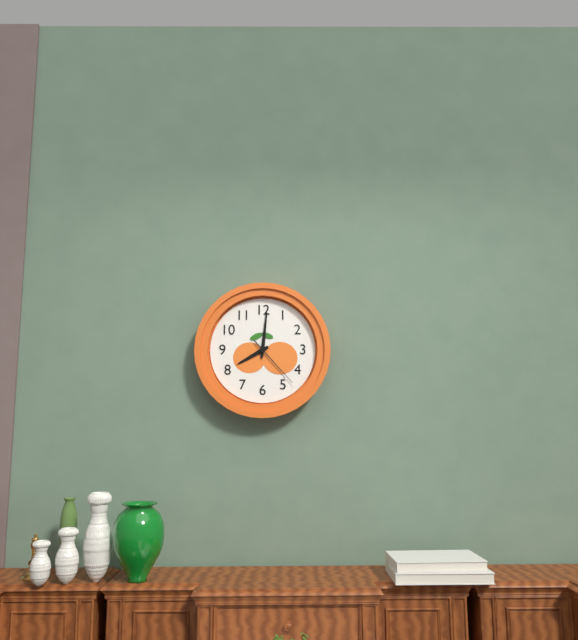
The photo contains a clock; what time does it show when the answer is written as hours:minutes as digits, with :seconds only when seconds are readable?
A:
8:01:23
